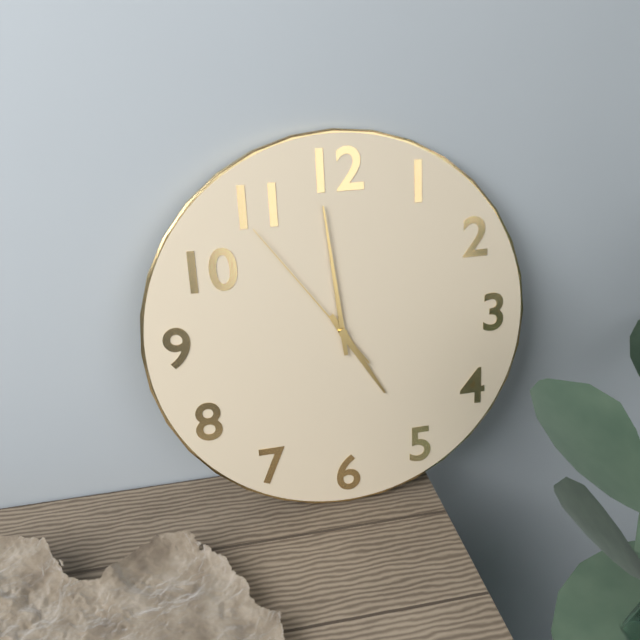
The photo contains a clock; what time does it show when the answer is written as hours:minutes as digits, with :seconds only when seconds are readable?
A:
4:59:54
